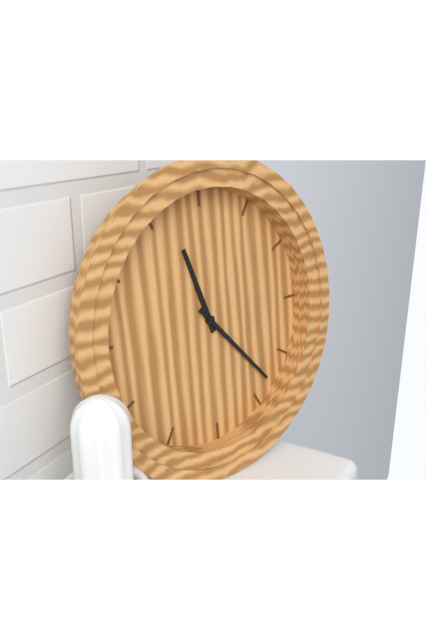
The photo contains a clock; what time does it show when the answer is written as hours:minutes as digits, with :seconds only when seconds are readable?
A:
11:23
